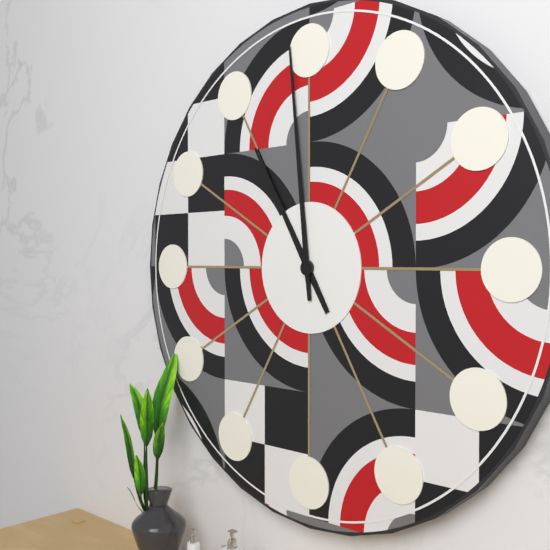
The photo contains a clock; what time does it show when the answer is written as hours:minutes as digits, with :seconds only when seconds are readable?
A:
10:59
